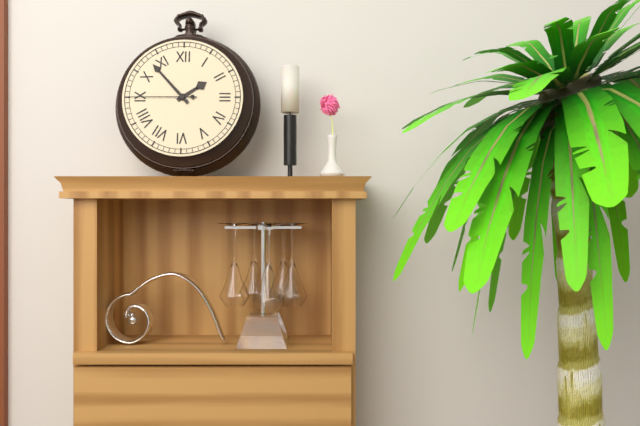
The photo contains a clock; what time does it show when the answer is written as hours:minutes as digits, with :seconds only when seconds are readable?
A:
1:53:45
